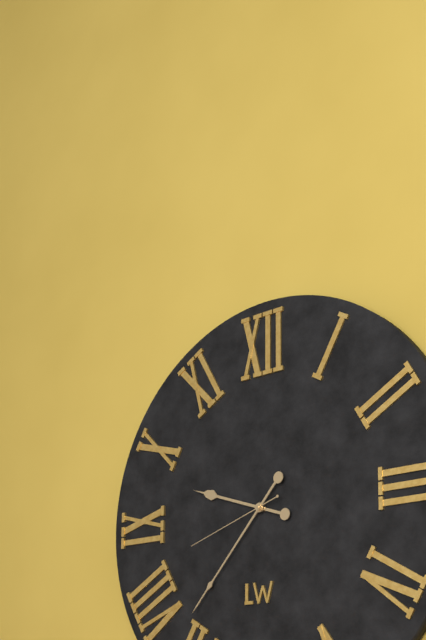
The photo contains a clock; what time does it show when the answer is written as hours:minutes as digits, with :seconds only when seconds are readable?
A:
9:37:42
